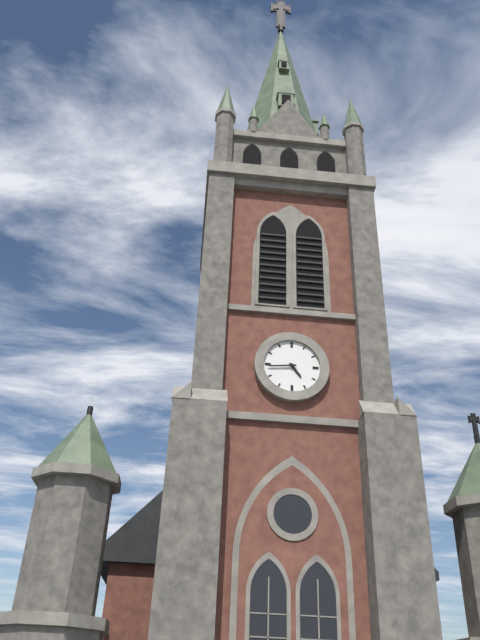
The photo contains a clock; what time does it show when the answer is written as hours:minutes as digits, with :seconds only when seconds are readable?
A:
4:44
